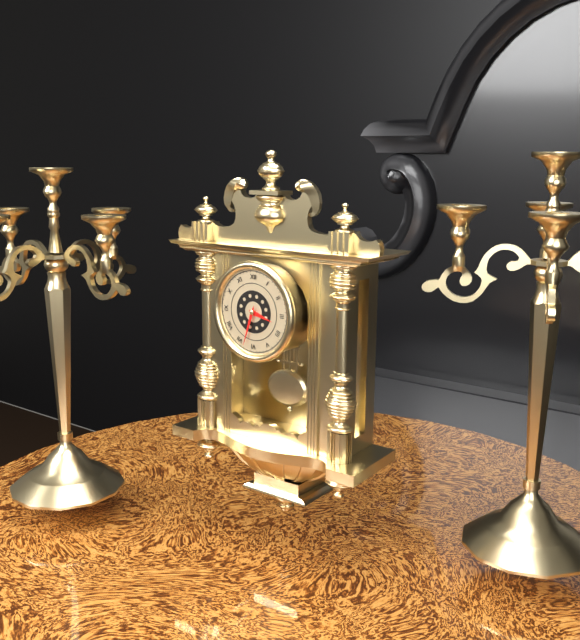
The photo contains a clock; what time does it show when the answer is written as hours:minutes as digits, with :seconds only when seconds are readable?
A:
3:33
